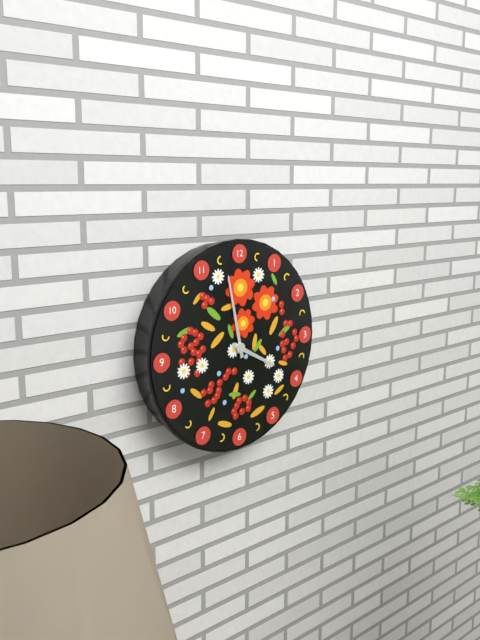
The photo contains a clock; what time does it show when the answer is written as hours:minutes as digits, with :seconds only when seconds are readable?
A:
3:58
